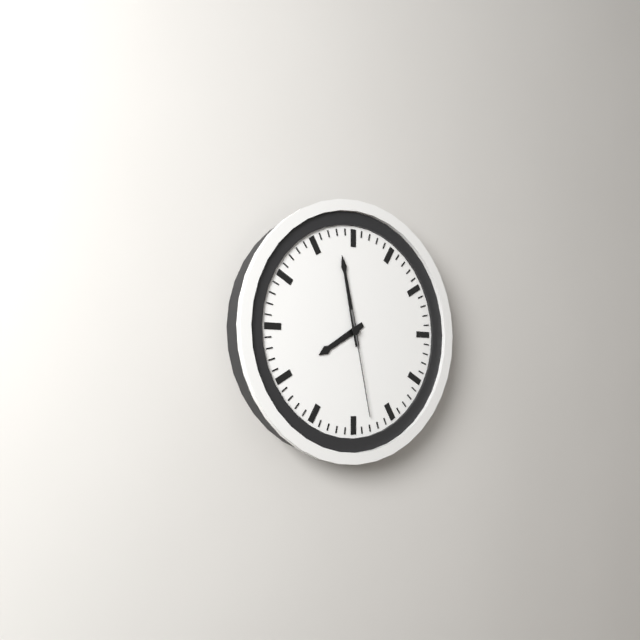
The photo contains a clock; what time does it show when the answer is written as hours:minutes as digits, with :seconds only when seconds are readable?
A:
7:58:28
